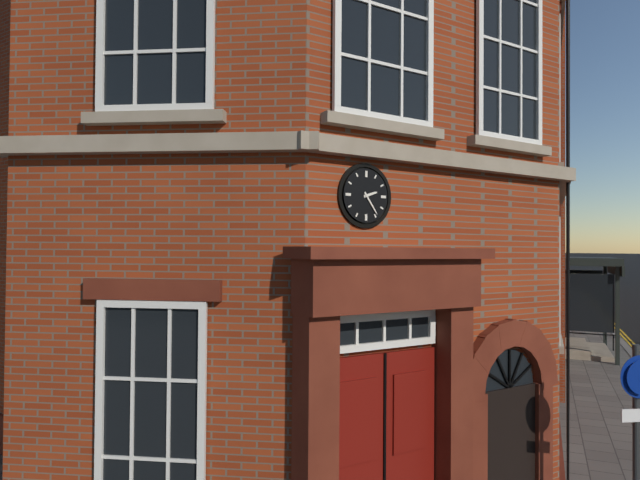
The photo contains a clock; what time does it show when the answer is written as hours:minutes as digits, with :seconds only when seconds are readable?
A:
2:24
